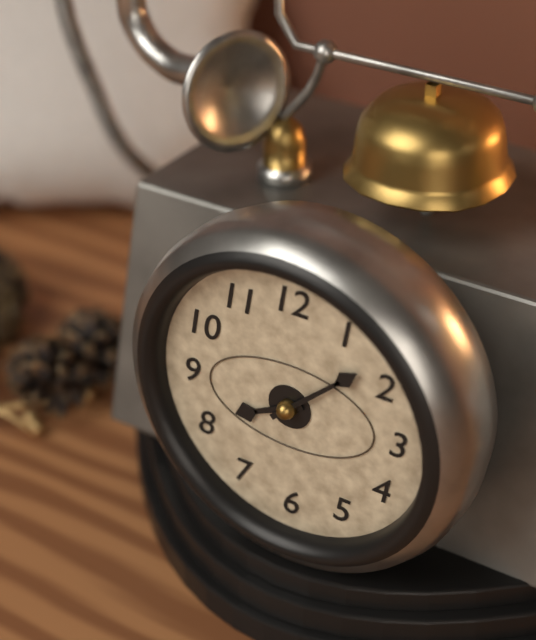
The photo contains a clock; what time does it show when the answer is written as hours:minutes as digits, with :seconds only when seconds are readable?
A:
8:08
